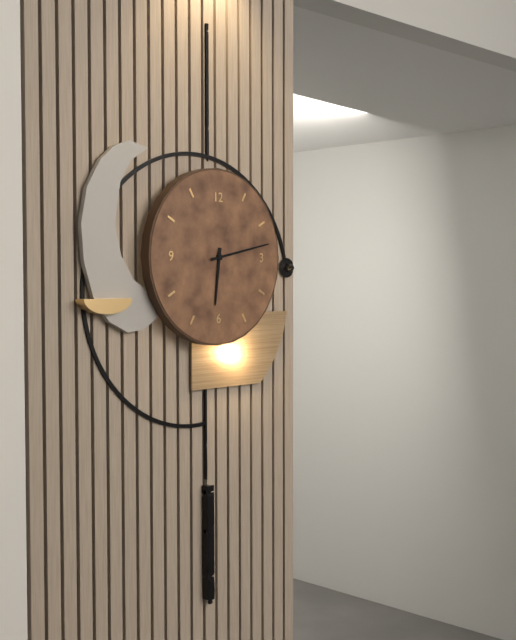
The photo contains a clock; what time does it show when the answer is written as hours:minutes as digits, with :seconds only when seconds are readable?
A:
6:13
